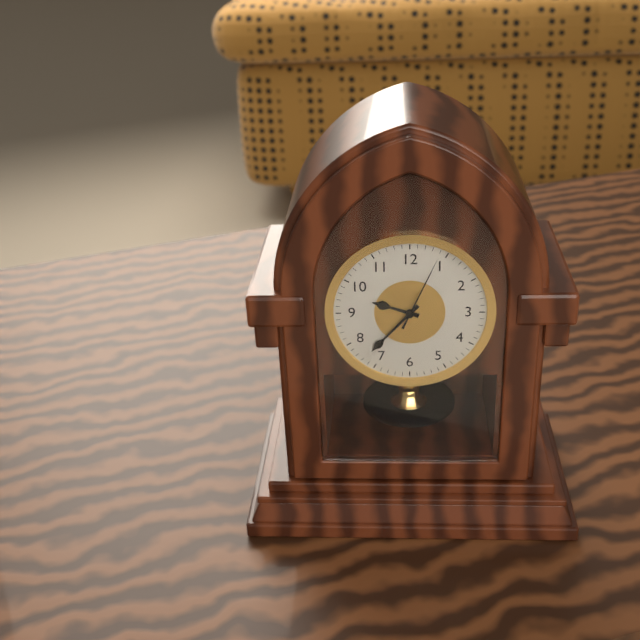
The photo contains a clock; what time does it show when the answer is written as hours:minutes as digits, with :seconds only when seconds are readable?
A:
9:37:04
